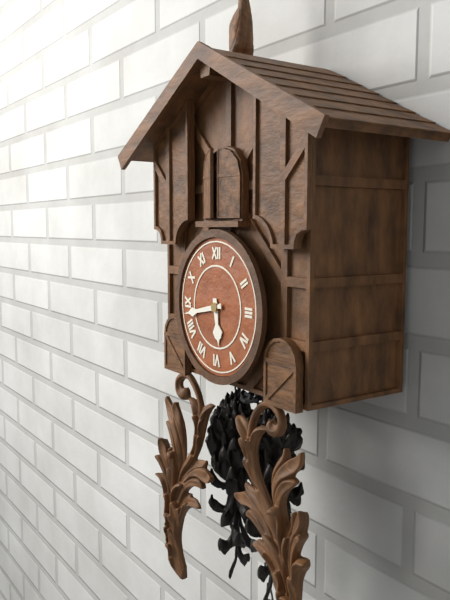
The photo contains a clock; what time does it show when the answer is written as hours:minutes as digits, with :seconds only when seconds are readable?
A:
5:43
